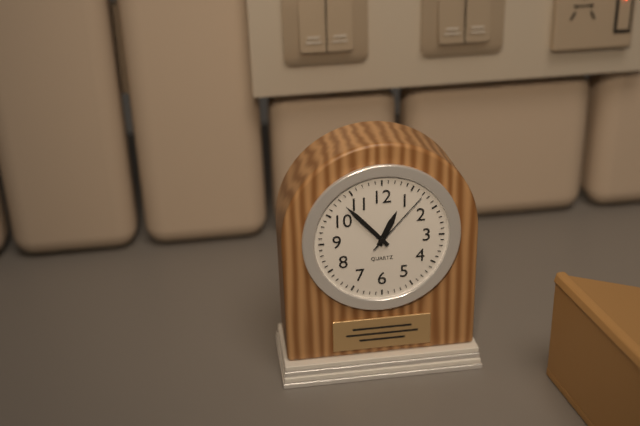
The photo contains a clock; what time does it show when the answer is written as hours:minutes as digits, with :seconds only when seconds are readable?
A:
12:53:07
